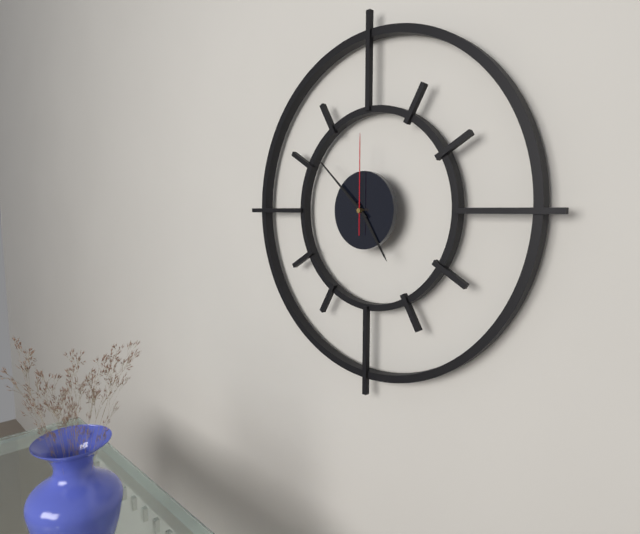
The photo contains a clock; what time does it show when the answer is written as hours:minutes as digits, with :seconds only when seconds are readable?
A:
4:52:00
